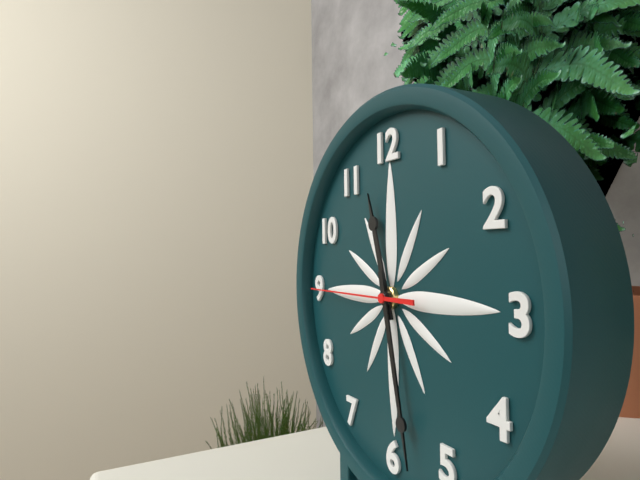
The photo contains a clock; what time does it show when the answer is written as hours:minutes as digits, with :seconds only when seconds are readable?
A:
11:28:45
